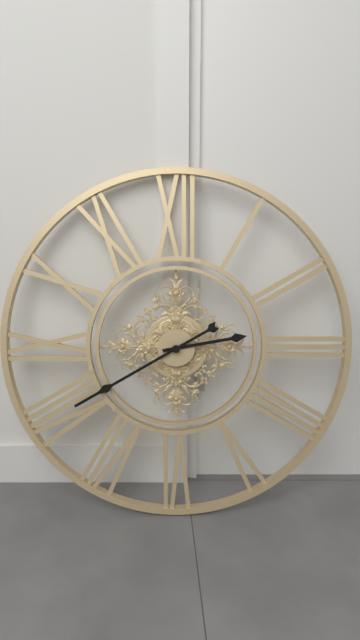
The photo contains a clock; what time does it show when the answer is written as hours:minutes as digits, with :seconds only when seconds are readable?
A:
2:40
